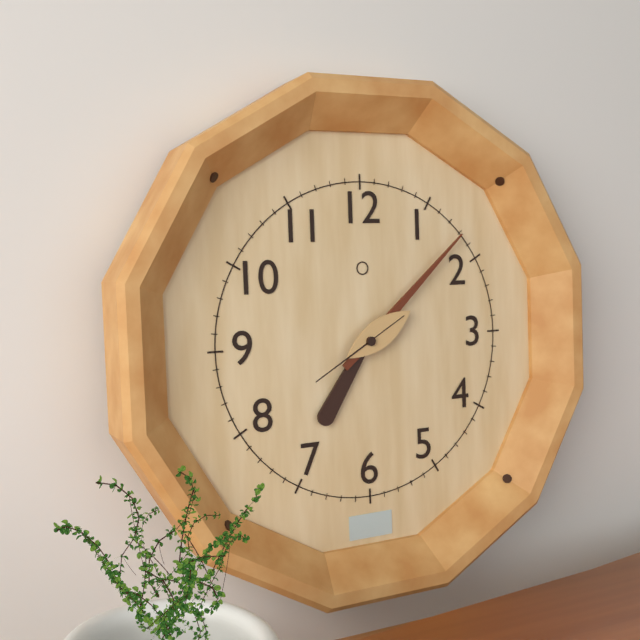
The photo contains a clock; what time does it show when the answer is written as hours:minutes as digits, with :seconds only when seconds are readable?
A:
7:08:40
